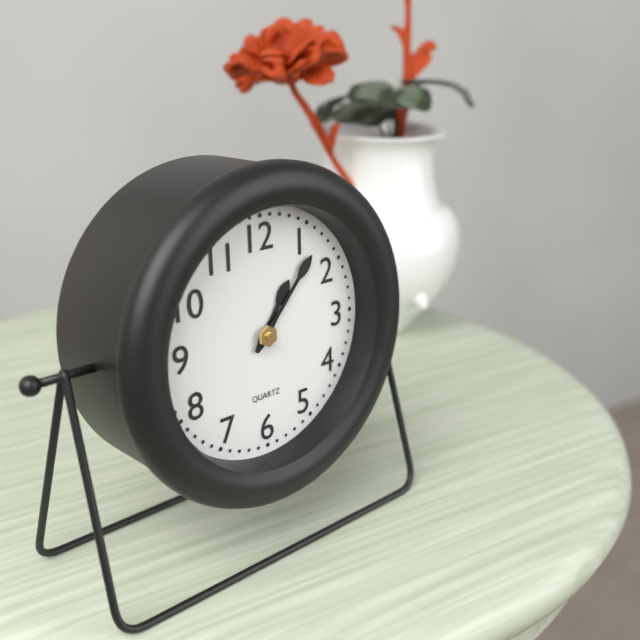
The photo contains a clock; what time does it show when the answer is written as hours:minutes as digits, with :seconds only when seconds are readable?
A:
1:07
